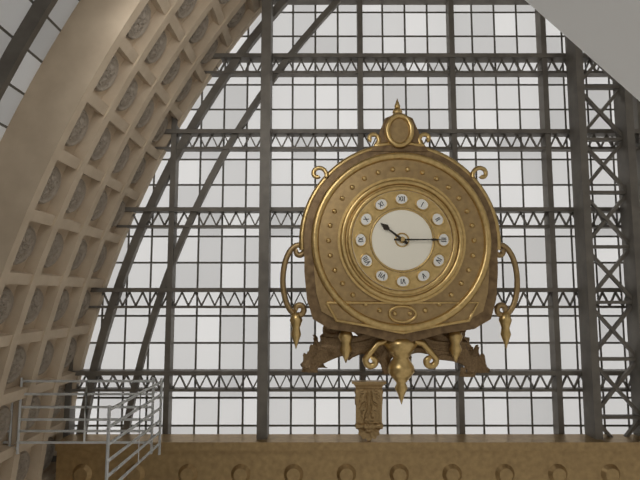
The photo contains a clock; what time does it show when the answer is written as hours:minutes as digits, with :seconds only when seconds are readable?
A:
10:15
